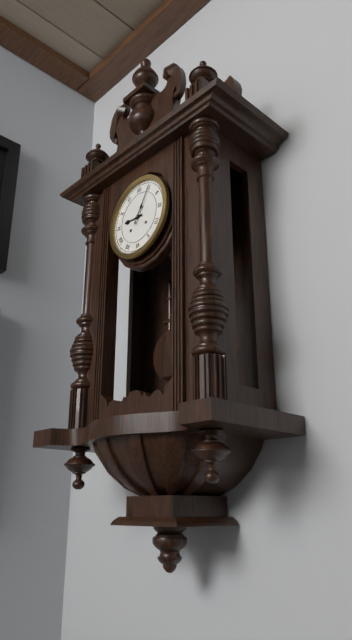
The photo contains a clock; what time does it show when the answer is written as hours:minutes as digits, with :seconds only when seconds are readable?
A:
9:05
